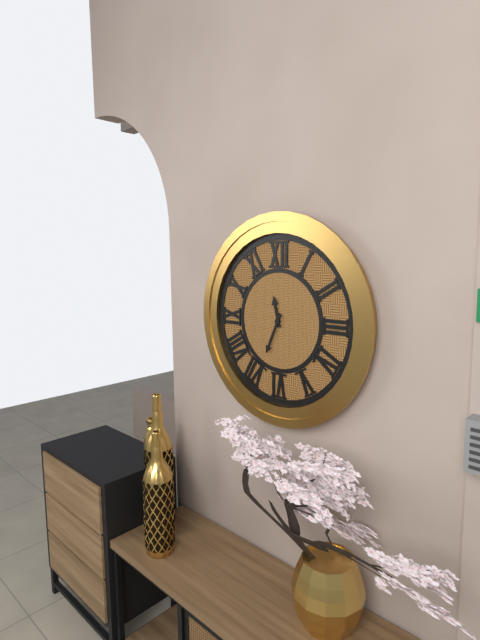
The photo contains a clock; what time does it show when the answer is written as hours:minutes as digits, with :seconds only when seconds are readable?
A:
11:34
